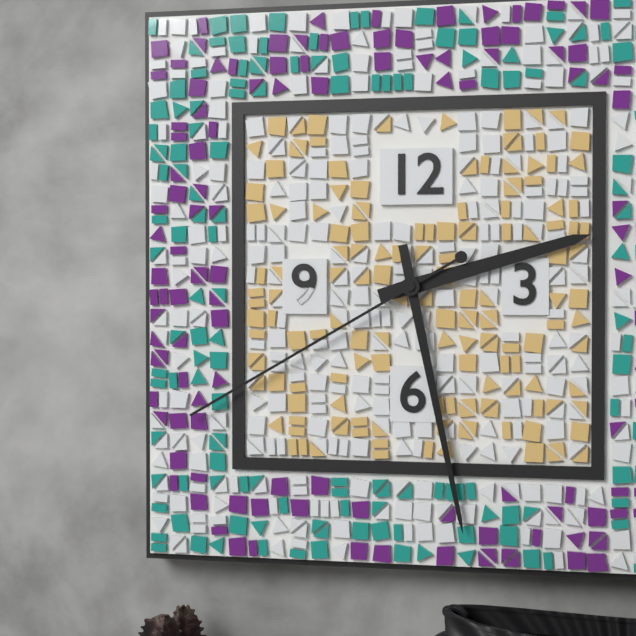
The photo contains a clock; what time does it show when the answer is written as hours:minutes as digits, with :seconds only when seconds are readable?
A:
2:28:40
